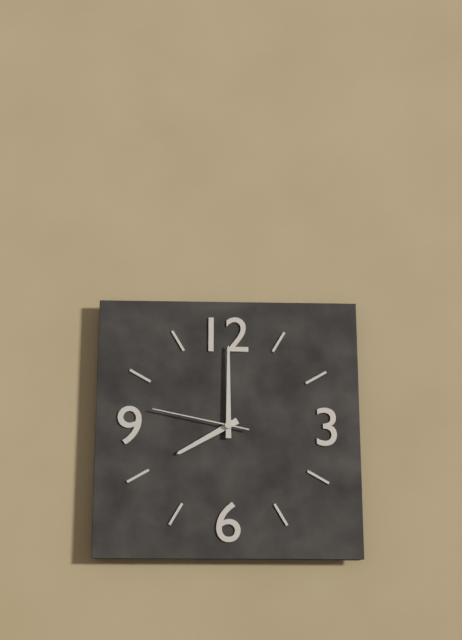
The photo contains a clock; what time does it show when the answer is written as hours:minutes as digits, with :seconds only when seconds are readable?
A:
8:00:47
